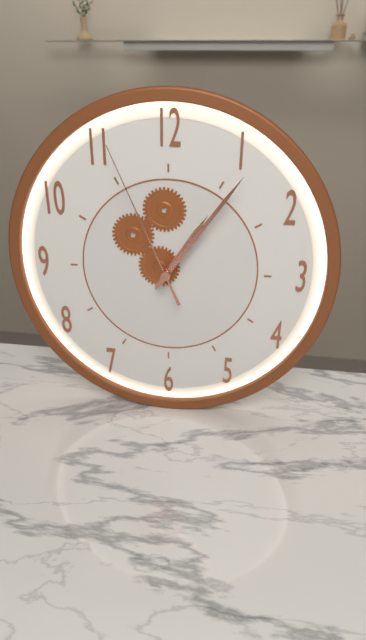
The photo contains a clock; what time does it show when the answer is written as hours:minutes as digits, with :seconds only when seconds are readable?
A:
1:06:56
